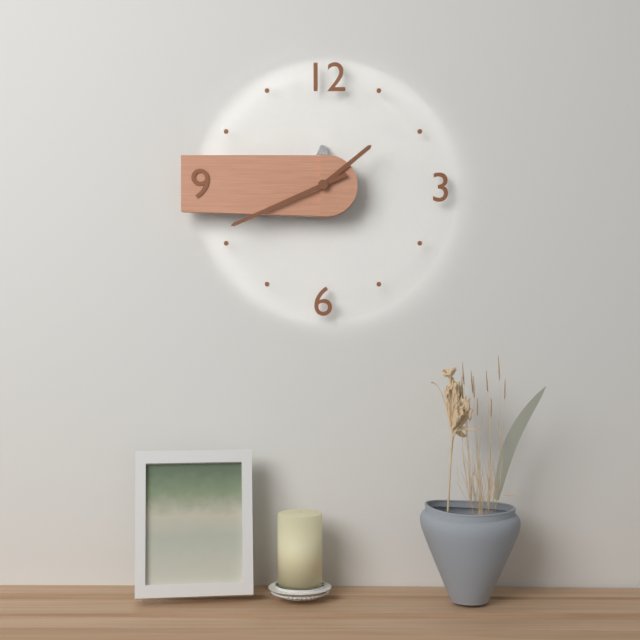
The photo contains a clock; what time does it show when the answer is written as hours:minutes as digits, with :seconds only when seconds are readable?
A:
1:41
